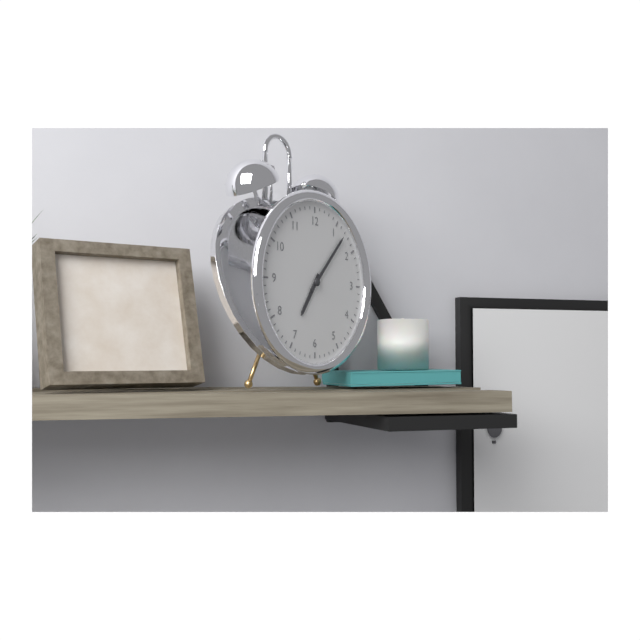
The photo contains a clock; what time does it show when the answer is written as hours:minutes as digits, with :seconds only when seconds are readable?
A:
7:07
